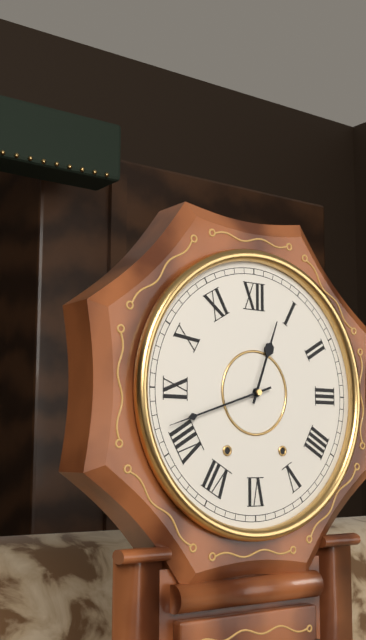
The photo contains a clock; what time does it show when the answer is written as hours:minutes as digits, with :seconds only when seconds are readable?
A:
12:42
